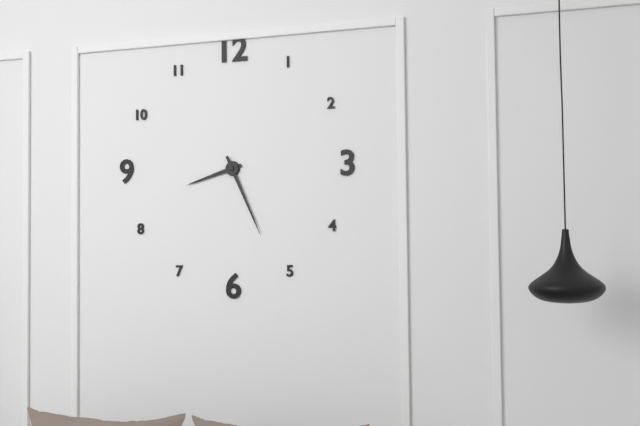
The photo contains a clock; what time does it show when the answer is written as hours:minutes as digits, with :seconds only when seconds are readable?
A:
8:26
